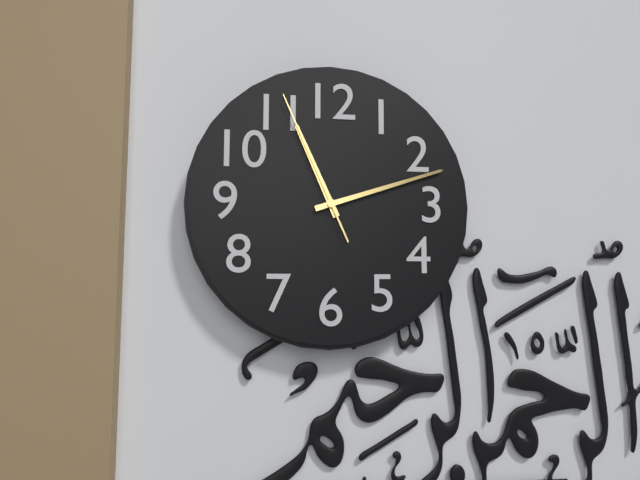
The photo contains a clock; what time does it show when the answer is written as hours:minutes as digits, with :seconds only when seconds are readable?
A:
11:12:56
